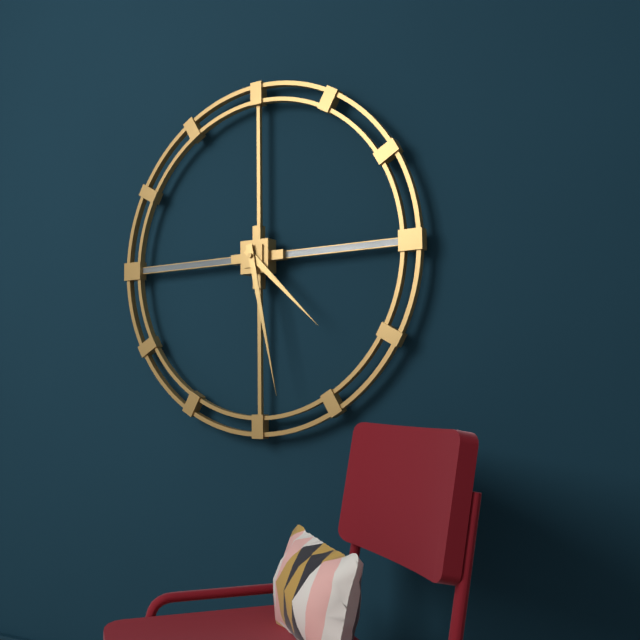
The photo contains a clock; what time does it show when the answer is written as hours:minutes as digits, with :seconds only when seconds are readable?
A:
4:28
